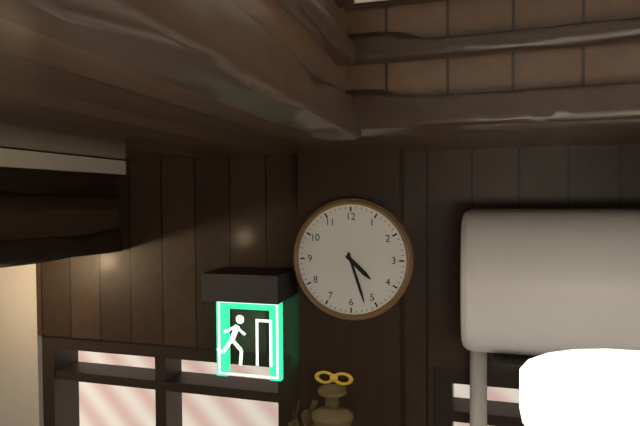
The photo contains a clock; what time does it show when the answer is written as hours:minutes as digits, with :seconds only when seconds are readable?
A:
4:27
